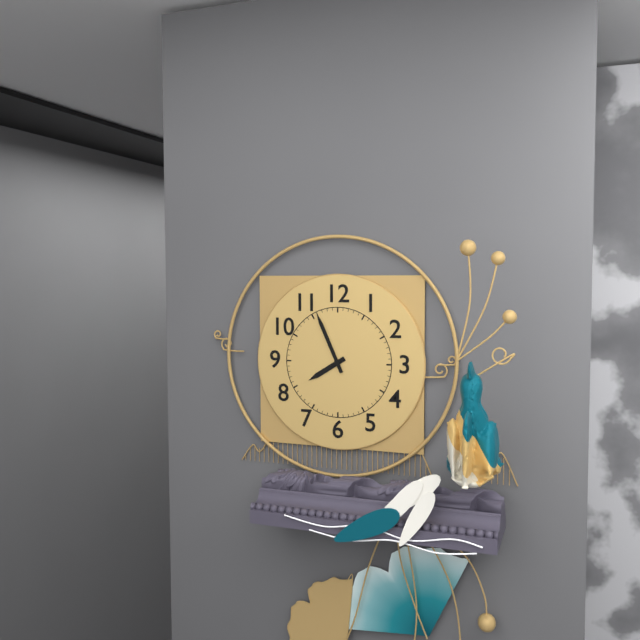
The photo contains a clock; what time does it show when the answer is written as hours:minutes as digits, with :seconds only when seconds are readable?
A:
7:56
